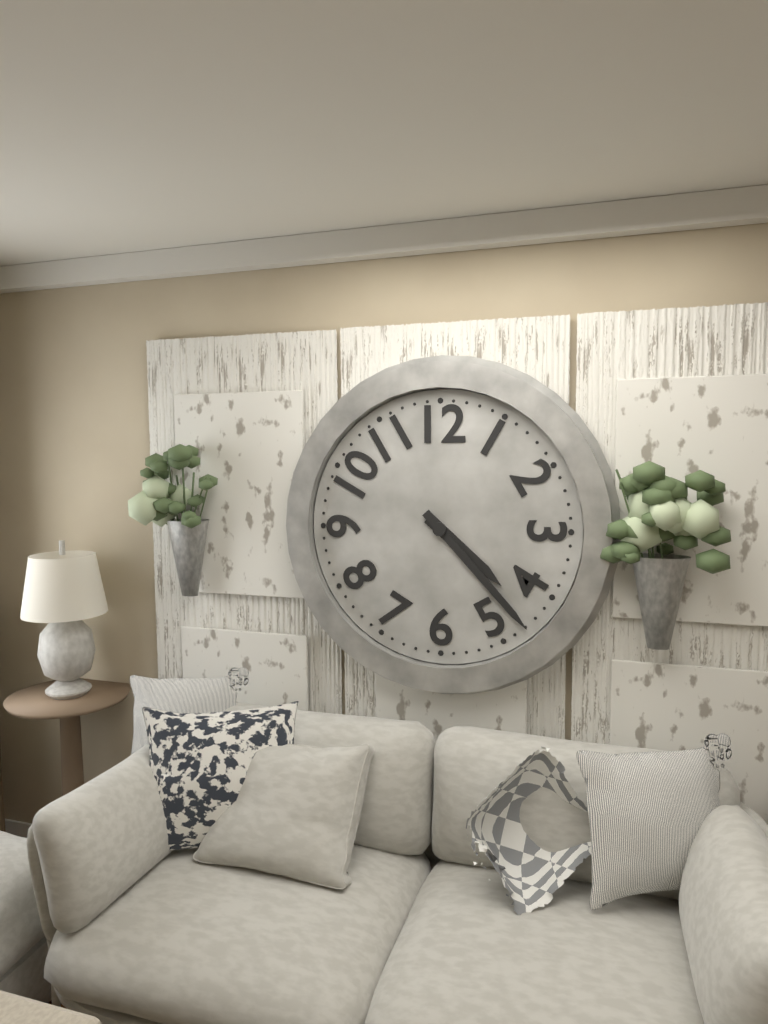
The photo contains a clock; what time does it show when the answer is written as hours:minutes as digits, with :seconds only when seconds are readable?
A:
4:23
